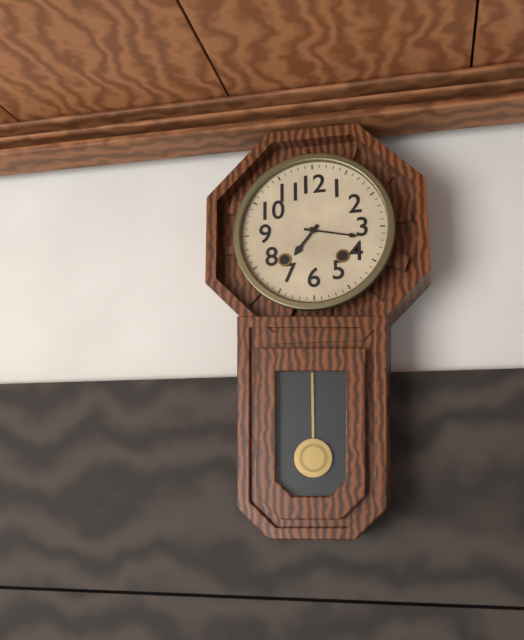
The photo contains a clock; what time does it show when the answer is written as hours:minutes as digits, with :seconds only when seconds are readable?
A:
7:17
